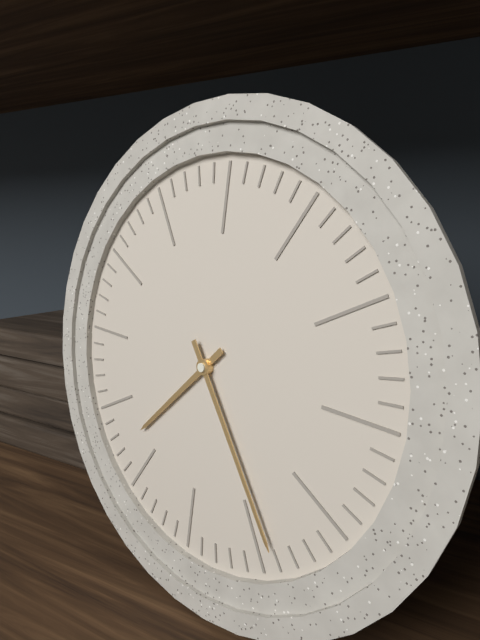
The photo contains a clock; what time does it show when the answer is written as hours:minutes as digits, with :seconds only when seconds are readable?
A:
7:24
